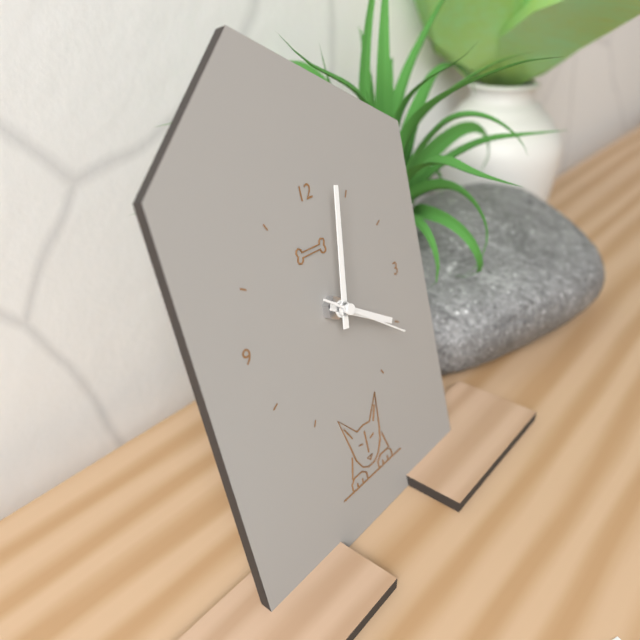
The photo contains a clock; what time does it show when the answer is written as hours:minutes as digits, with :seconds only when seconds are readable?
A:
4:02:21
